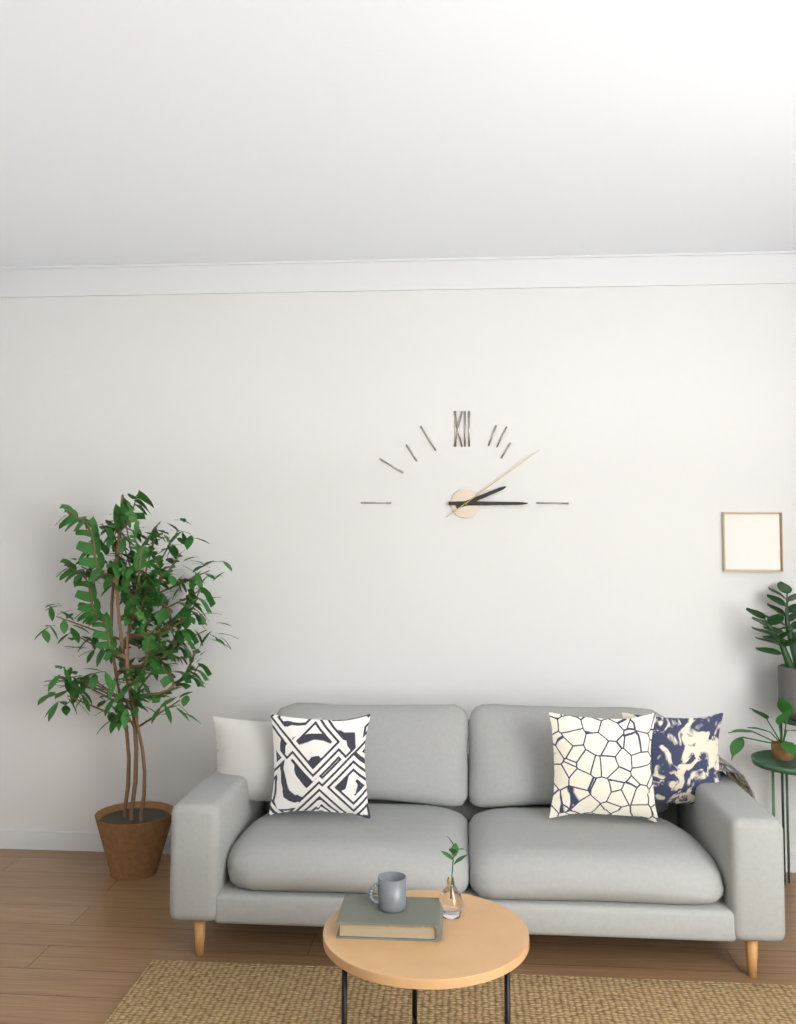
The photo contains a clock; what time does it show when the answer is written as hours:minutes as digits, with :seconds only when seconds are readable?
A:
2:15:09
